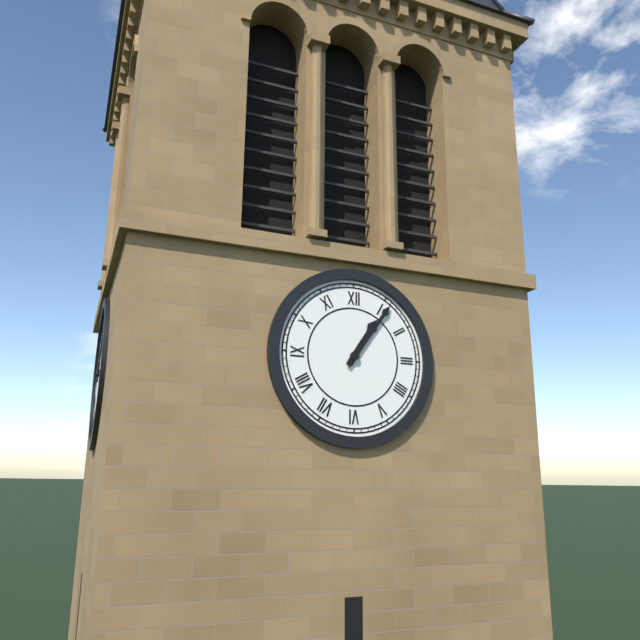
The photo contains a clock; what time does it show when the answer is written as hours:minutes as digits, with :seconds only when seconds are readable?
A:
1:06
